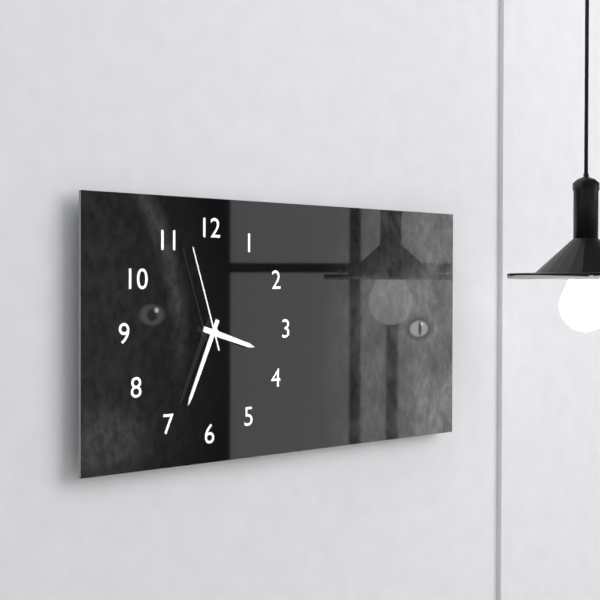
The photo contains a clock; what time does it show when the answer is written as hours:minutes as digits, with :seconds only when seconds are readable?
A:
3:34:57
